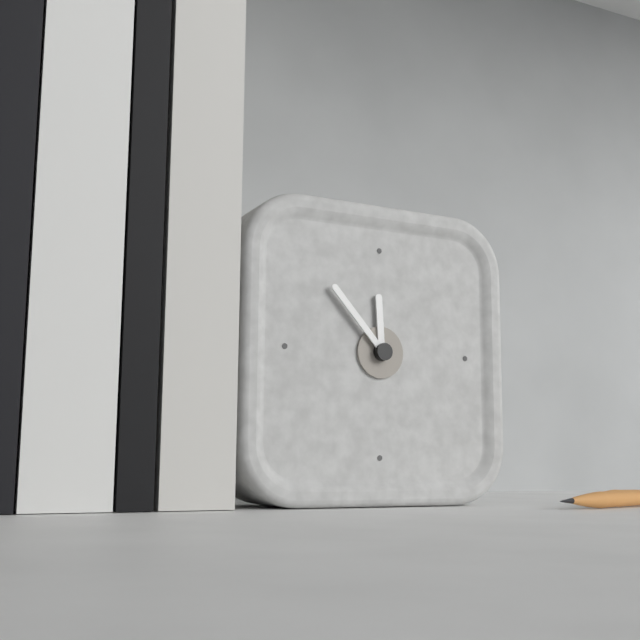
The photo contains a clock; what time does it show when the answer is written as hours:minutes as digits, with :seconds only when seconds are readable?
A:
11:53
